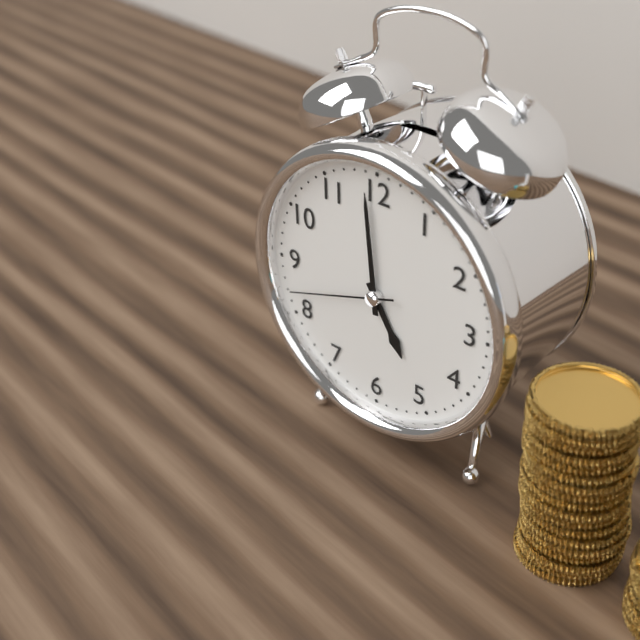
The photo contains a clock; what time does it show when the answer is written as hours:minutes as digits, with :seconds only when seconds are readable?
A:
4:59:42
